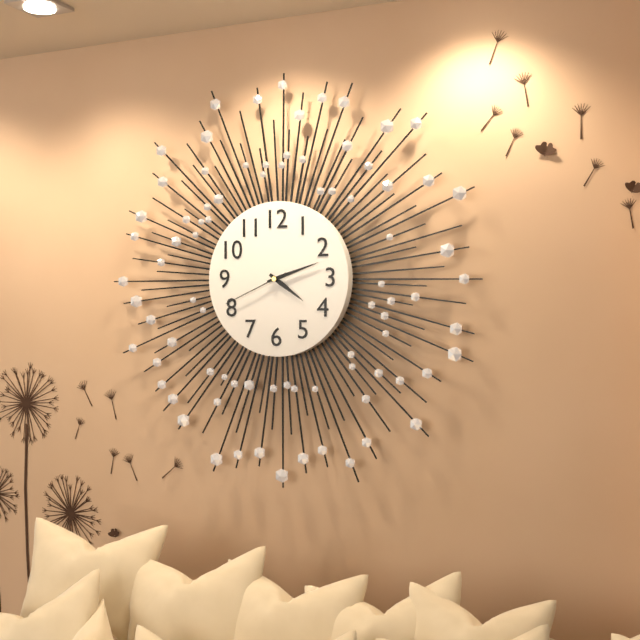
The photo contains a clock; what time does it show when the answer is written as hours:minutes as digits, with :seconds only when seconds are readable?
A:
4:12:41
